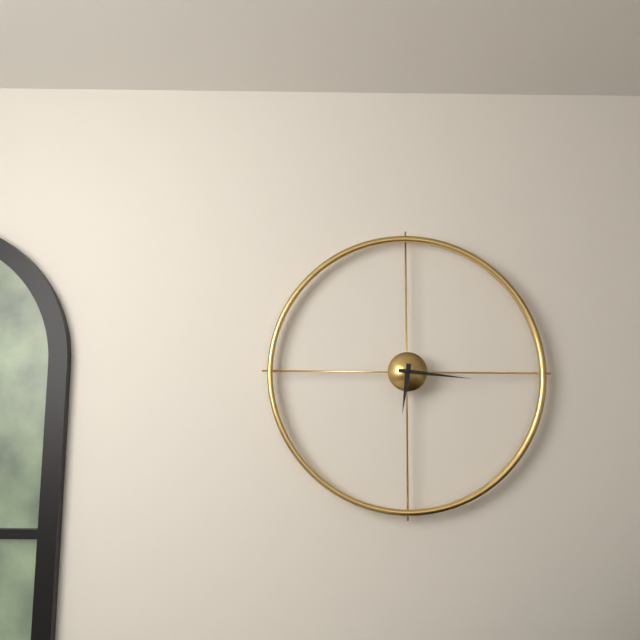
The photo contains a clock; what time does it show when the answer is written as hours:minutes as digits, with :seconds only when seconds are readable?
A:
6:16
